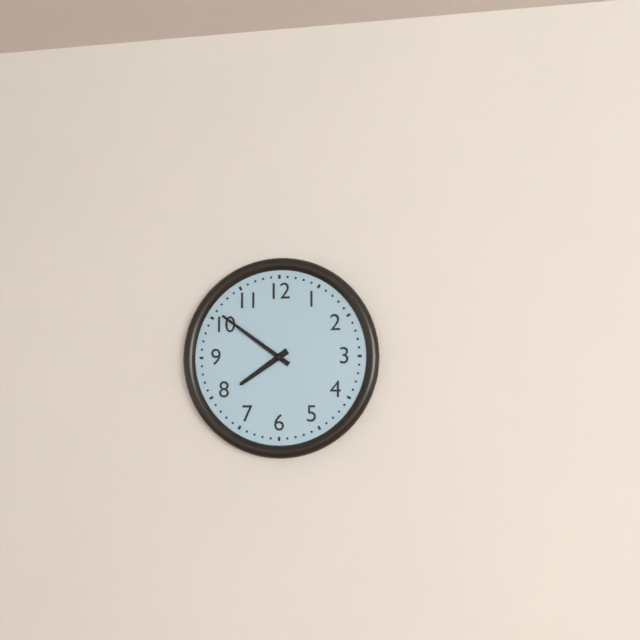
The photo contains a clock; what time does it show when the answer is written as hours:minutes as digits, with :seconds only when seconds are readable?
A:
7:51
